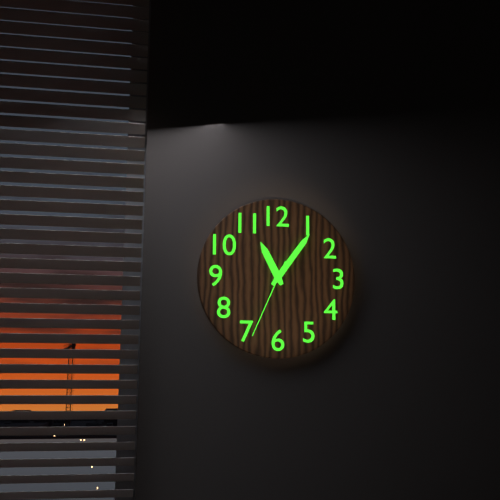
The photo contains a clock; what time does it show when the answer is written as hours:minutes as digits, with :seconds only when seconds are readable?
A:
11:06:34
